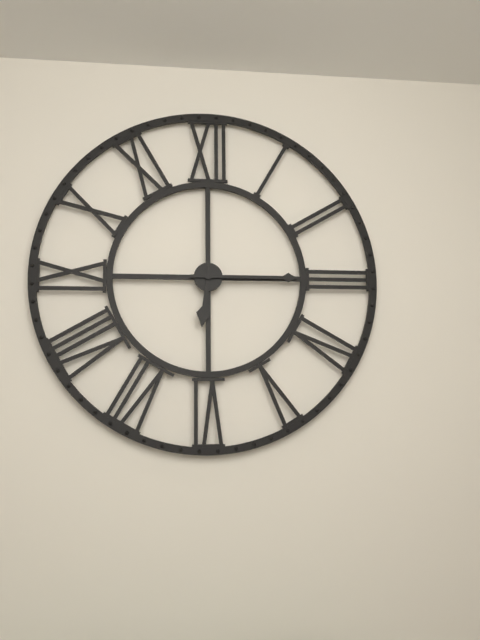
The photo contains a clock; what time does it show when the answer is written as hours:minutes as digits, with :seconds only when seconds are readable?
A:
6:15
